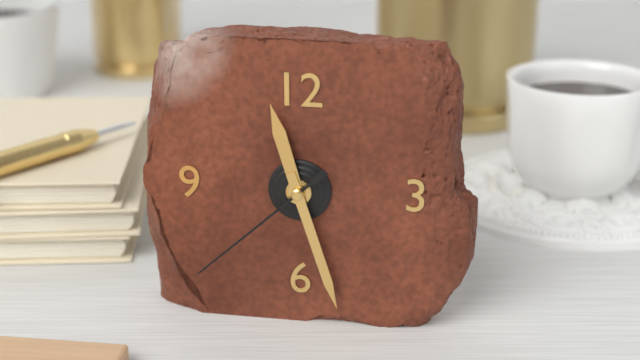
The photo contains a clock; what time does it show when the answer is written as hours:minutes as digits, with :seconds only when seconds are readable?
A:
11:27:38
